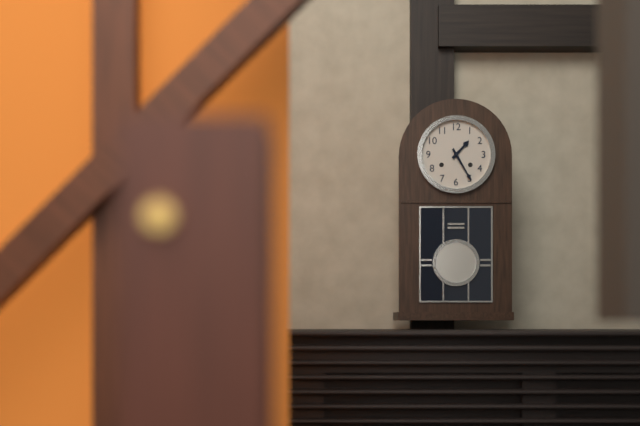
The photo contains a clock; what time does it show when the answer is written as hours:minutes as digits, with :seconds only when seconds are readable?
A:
1:25
